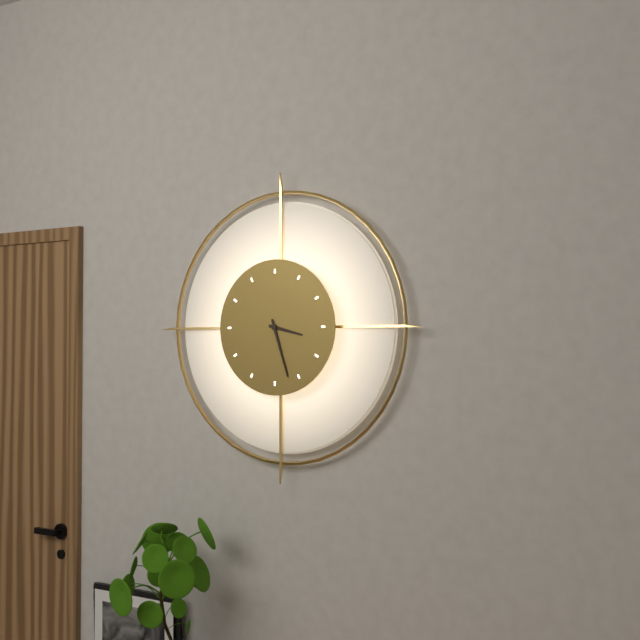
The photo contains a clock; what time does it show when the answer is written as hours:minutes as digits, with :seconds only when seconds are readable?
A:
3:27
